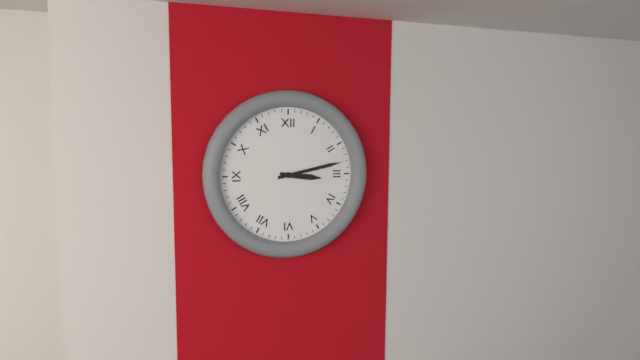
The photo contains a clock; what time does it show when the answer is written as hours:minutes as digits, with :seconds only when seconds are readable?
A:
3:13
